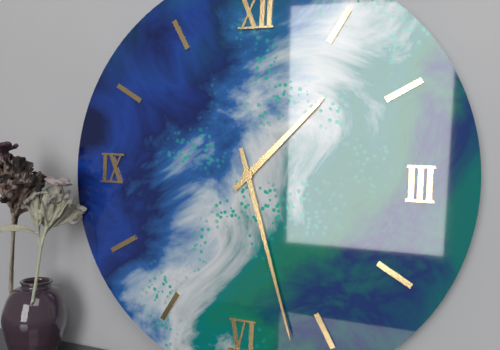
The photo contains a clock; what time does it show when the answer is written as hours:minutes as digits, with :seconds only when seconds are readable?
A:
1:27
